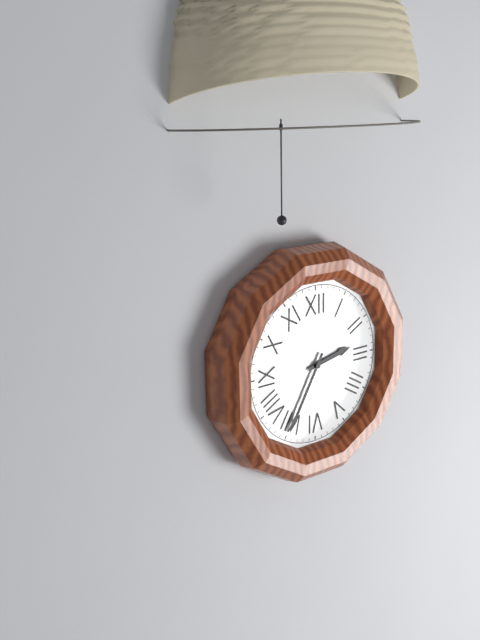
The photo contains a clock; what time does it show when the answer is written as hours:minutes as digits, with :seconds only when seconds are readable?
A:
2:35
